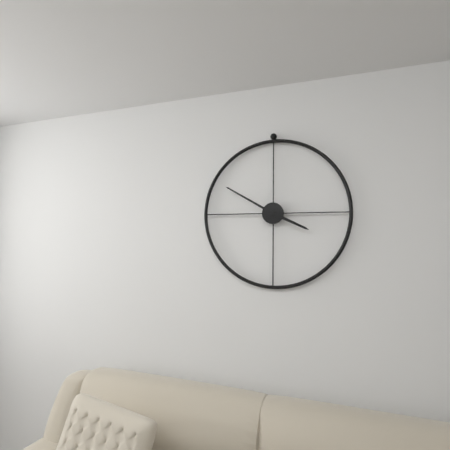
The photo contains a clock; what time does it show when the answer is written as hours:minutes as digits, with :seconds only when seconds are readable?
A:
3:50
